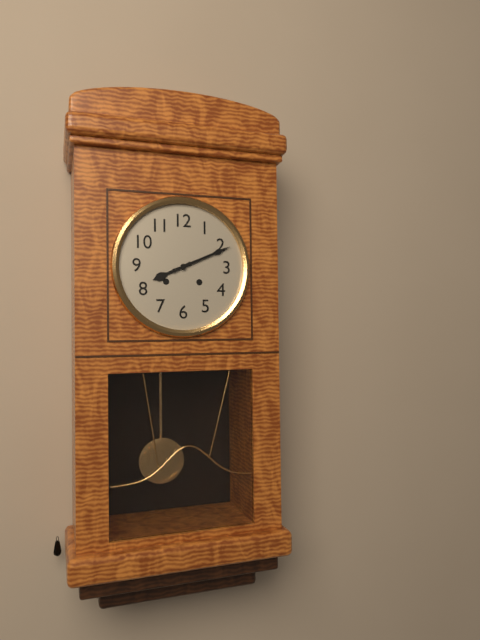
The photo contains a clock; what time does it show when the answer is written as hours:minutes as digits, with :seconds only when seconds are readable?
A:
8:11
